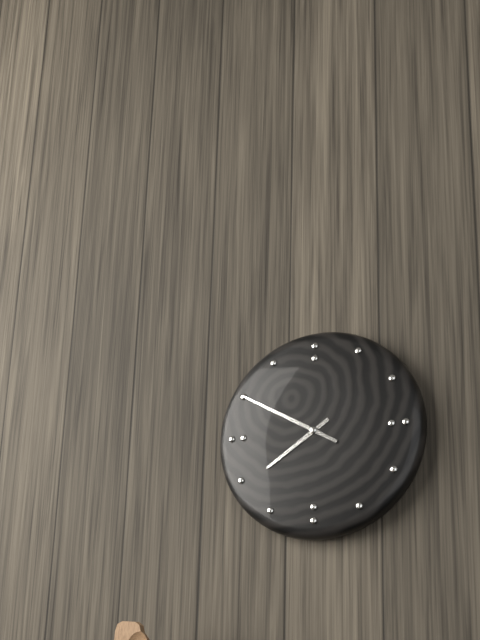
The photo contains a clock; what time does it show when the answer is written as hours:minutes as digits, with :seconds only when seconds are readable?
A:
7:50
